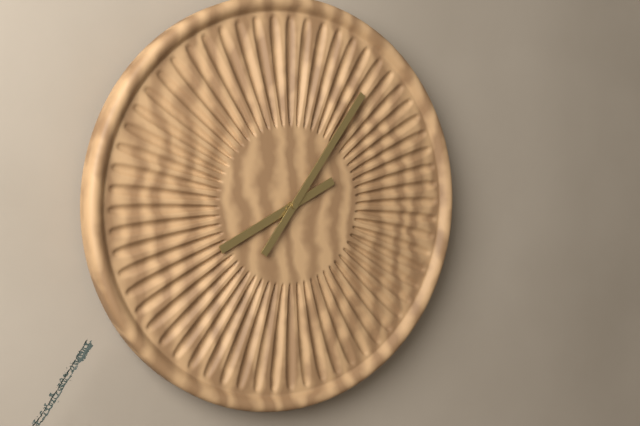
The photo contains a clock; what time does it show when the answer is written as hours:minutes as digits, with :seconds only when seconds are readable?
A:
8:06
